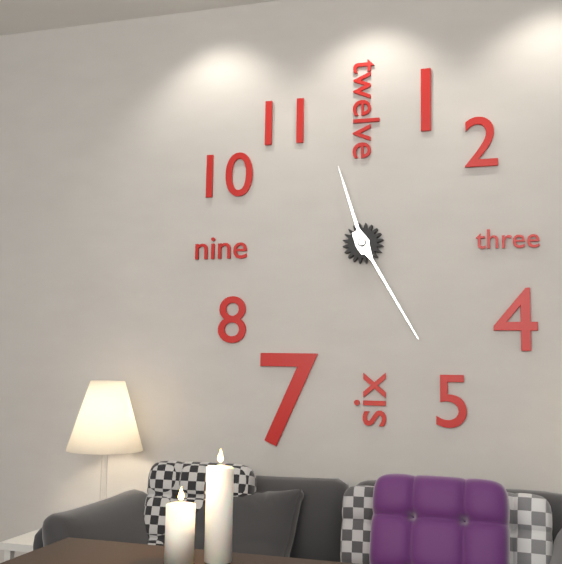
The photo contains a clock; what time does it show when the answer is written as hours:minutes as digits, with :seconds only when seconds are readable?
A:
11:25
